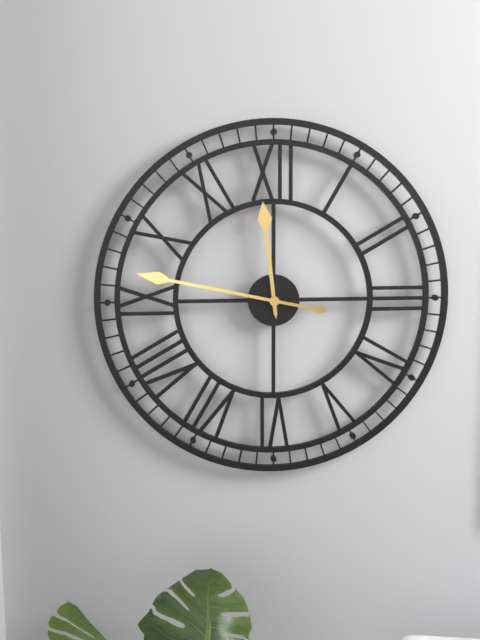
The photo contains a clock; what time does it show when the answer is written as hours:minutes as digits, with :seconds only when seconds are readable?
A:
11:47
